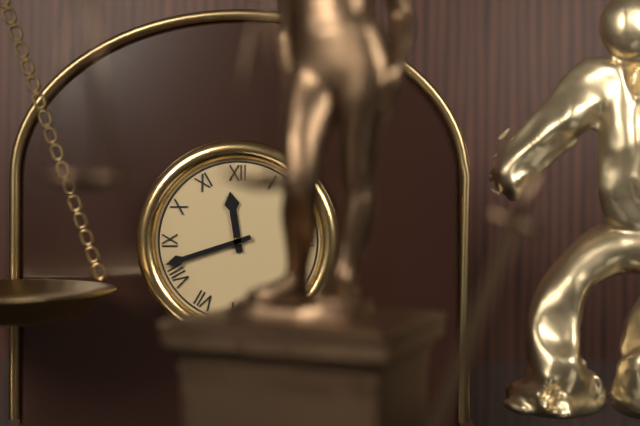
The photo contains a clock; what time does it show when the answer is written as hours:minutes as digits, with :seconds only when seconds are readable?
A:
11:42
